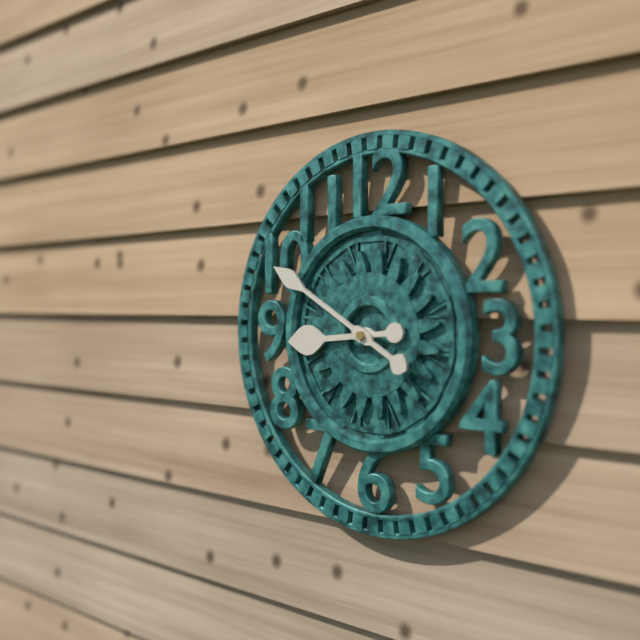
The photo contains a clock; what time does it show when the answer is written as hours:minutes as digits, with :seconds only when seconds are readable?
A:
8:50
